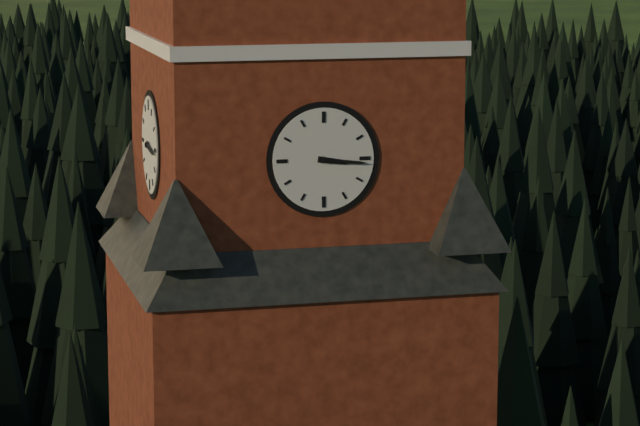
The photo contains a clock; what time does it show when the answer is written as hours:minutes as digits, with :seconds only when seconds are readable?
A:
3:16
